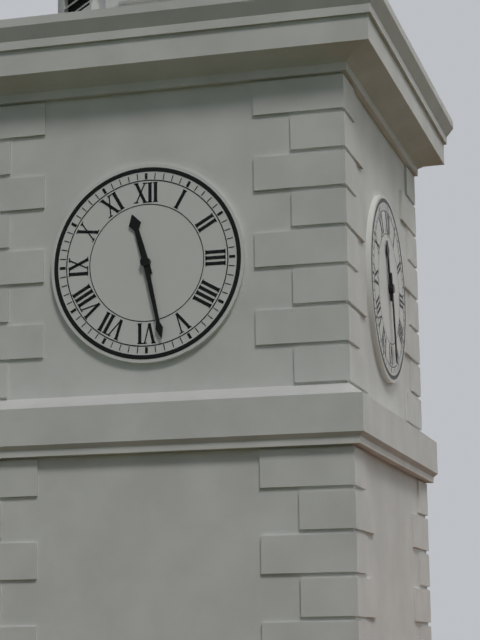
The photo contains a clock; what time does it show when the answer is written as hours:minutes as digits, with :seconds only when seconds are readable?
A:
11:28
